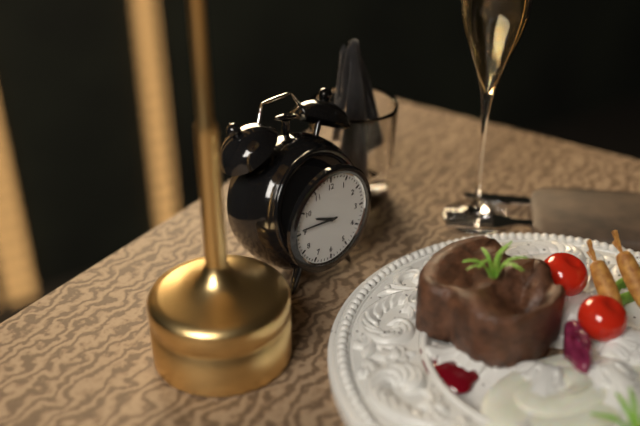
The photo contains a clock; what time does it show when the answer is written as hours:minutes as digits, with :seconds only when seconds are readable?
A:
9:46
